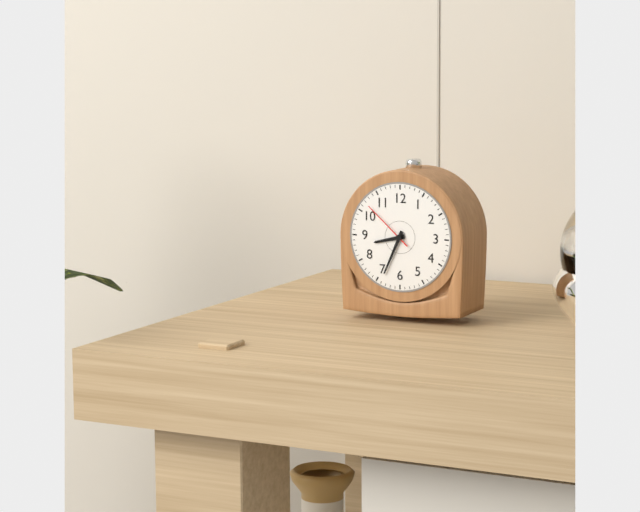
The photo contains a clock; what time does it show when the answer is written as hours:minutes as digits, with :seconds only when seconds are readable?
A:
8:34:52
